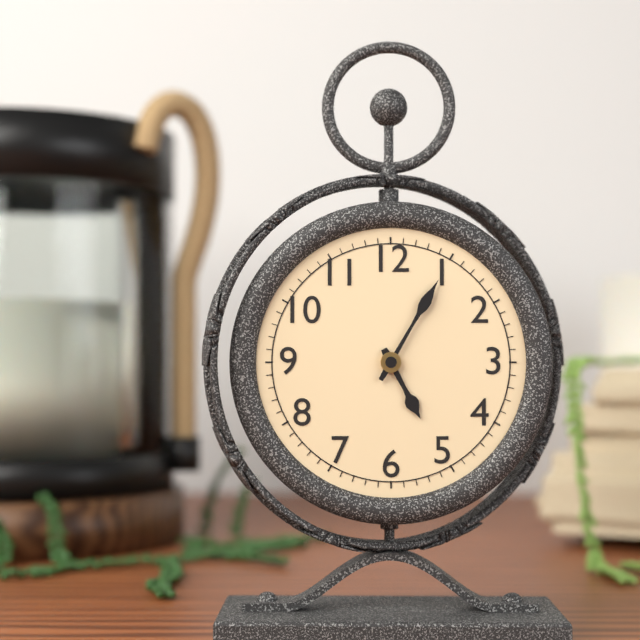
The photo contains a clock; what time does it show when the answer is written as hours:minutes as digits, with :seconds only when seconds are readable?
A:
5:05
